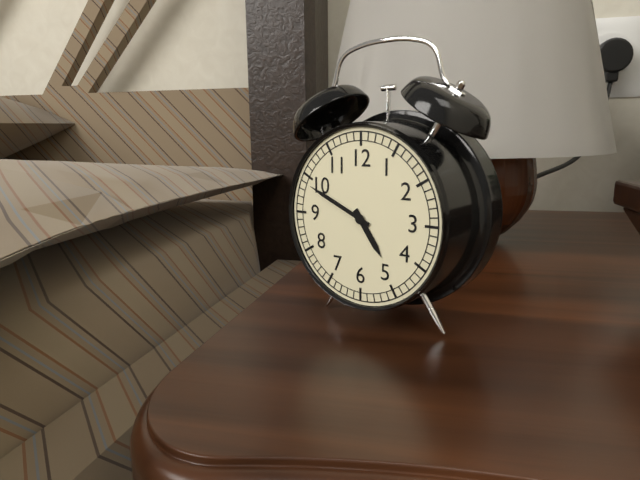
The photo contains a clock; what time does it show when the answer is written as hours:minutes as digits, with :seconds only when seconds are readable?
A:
4:49
